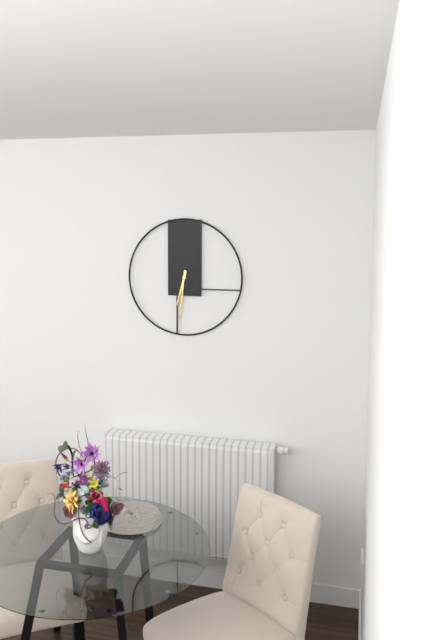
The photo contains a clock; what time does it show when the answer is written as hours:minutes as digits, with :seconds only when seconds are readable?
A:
6:31
